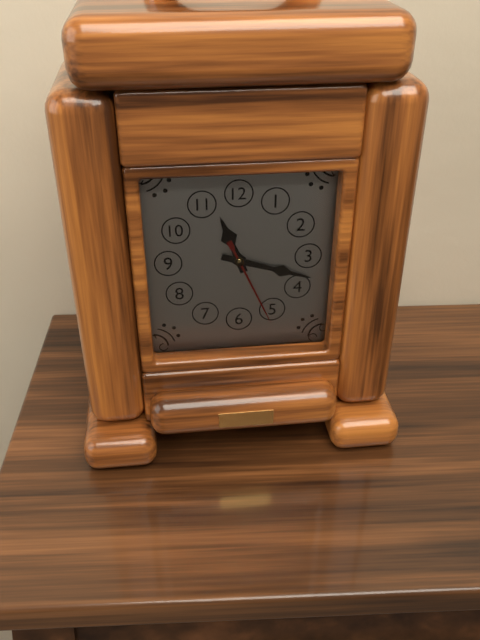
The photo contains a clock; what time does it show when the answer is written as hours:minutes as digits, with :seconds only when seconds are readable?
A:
11:18:26
